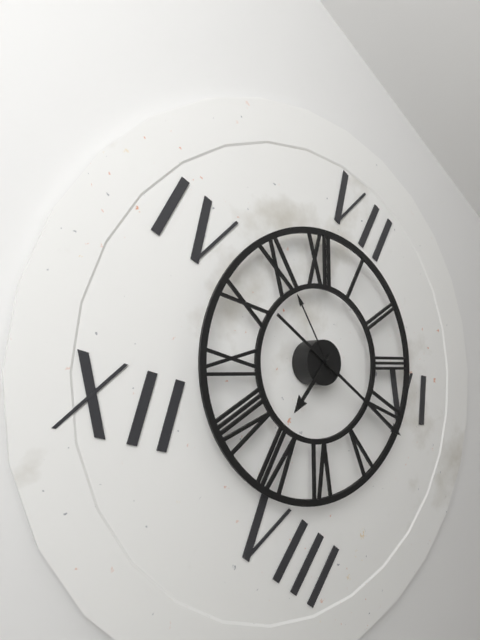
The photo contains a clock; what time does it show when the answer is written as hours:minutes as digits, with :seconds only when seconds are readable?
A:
7:21:55
